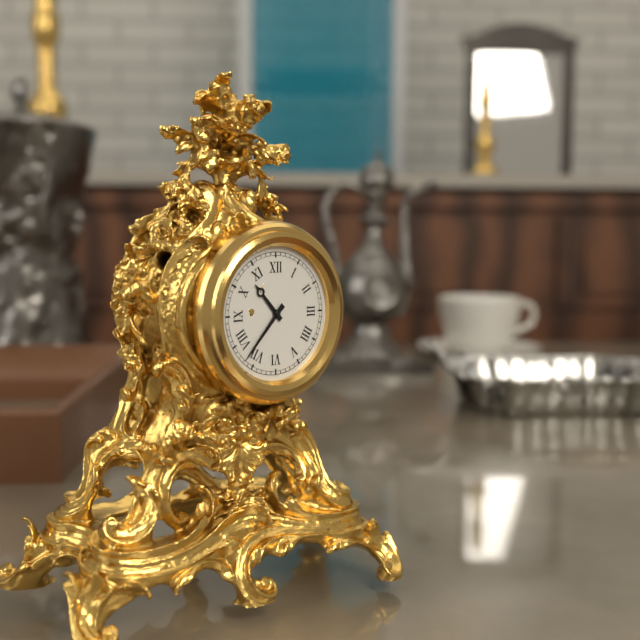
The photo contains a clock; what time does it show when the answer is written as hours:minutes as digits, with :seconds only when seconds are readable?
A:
10:37
